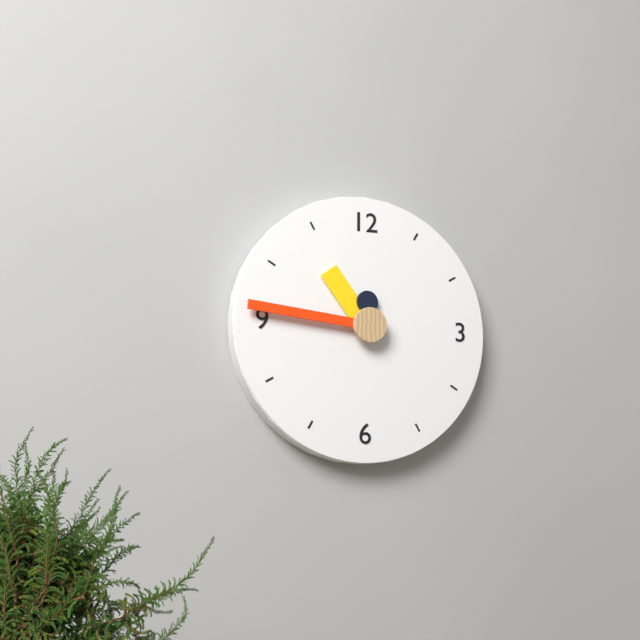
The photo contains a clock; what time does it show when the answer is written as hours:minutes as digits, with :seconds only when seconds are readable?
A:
10:46
